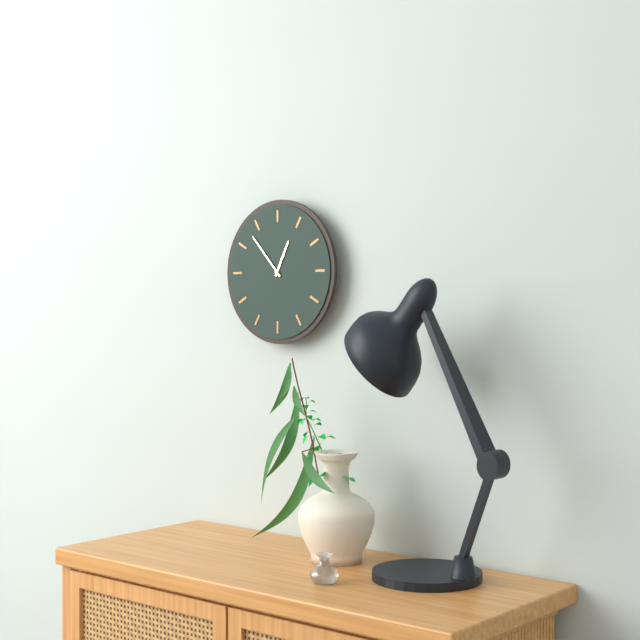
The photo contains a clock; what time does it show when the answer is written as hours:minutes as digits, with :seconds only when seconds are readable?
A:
12:53
